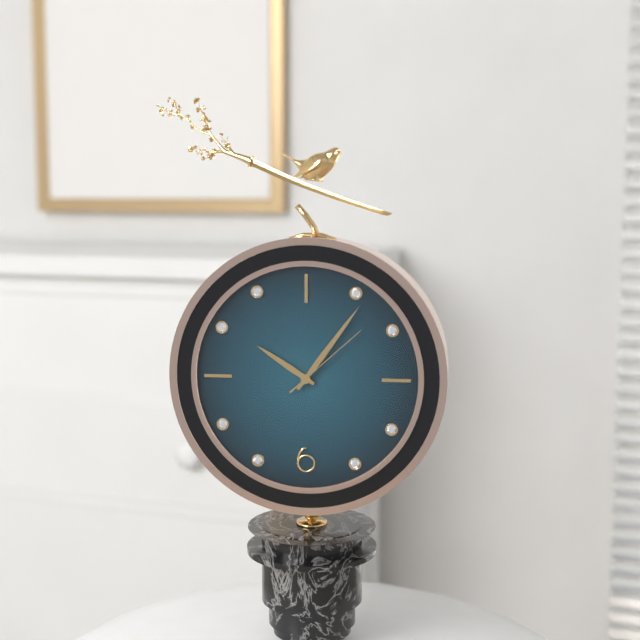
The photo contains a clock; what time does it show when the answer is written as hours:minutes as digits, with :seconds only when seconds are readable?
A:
10:06:08
